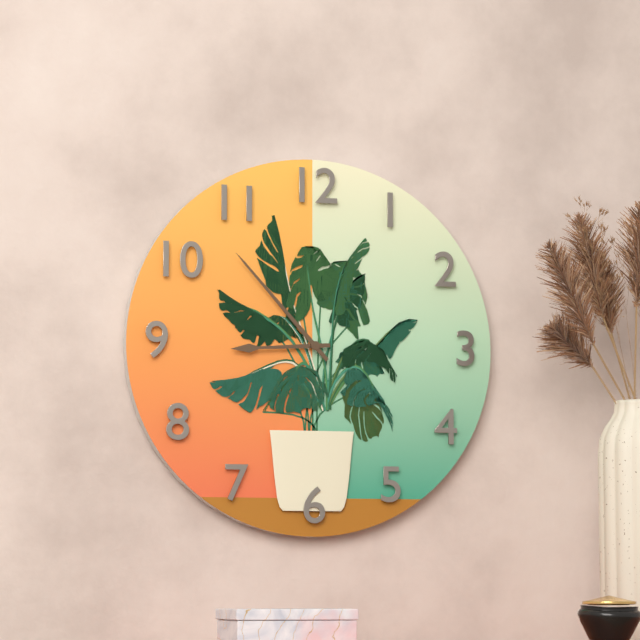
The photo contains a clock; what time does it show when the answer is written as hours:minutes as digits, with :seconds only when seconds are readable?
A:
8:53
